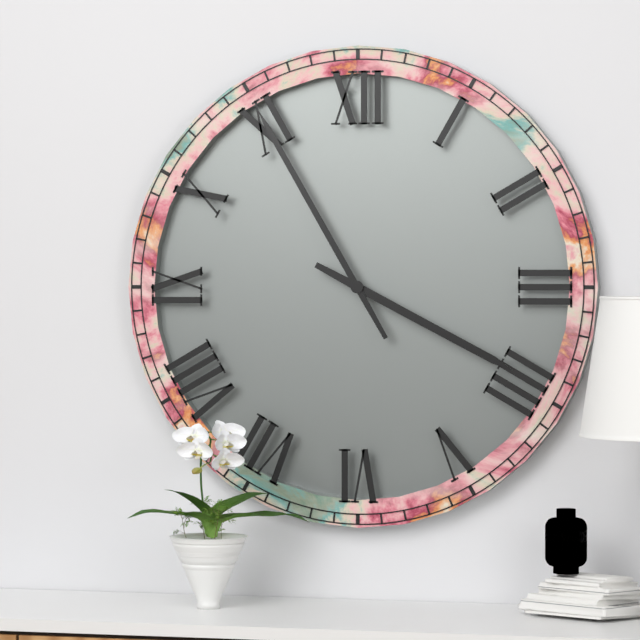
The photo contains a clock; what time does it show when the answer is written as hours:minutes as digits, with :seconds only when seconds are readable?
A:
3:55
